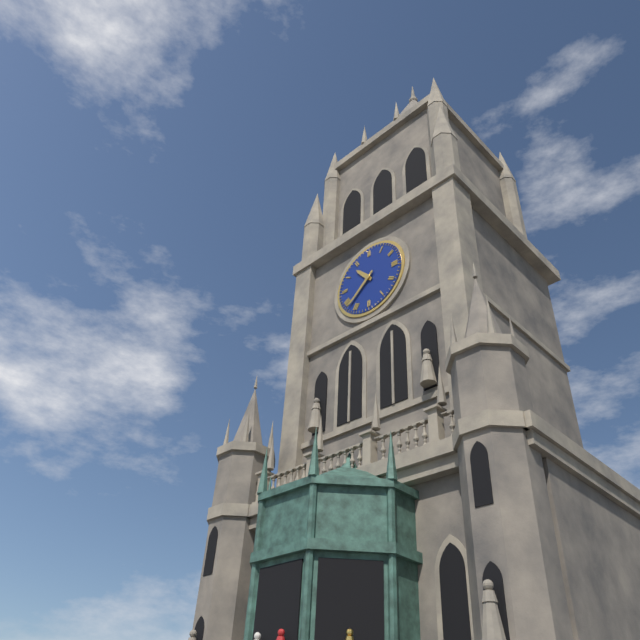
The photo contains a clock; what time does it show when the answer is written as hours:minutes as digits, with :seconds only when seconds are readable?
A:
10:38
